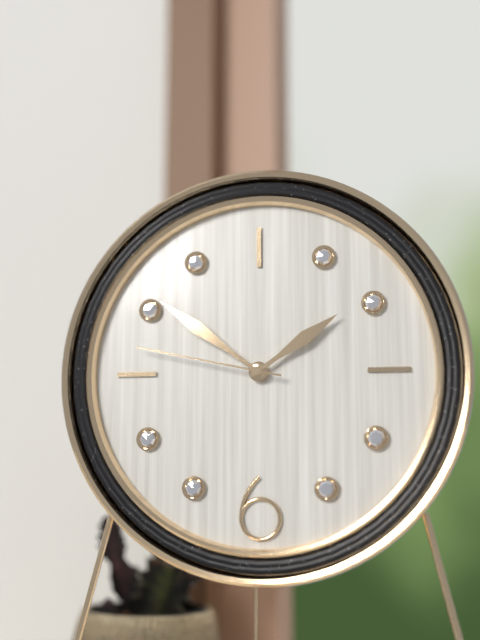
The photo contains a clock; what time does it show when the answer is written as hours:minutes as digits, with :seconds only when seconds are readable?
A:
1:51:47
